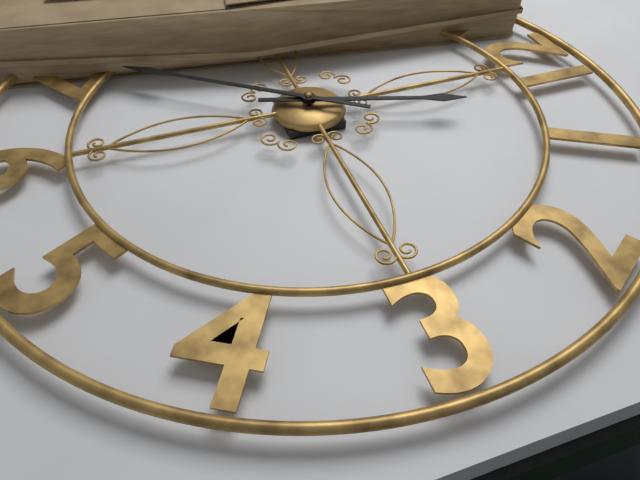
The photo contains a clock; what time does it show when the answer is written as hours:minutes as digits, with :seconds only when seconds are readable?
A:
12:36
